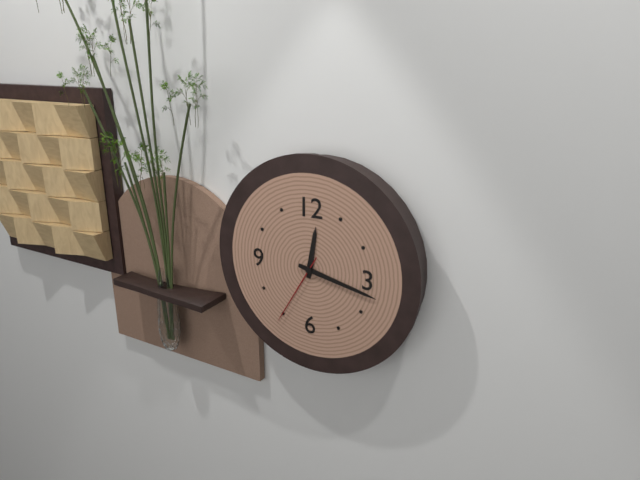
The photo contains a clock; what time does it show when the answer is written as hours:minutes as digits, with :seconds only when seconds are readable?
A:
12:17:35
